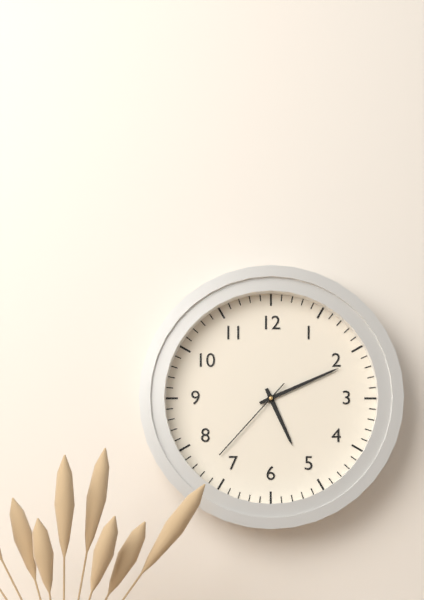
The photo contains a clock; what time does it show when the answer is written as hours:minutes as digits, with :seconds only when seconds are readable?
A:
5:11:37
